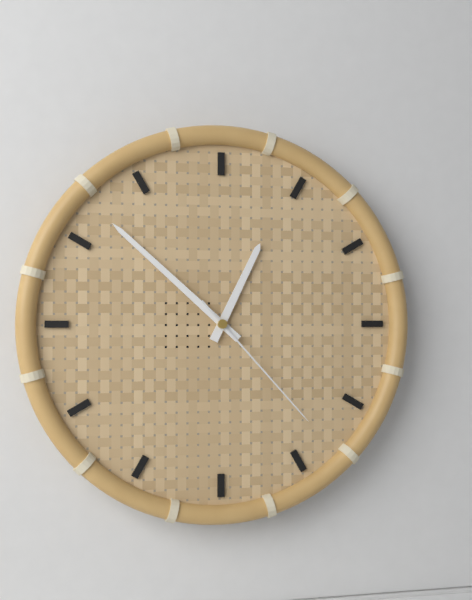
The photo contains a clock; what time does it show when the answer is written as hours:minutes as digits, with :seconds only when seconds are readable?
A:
12:52:23
